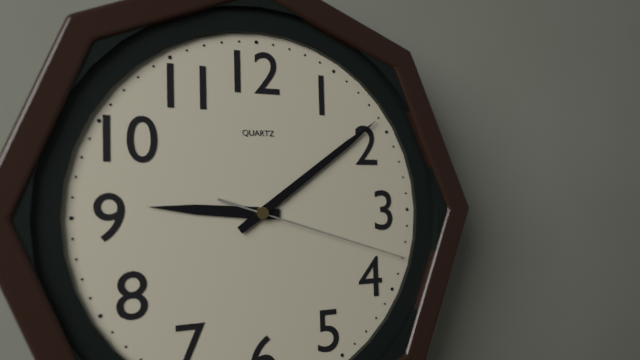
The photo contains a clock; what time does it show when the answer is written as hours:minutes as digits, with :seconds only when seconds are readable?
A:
9:09:18
